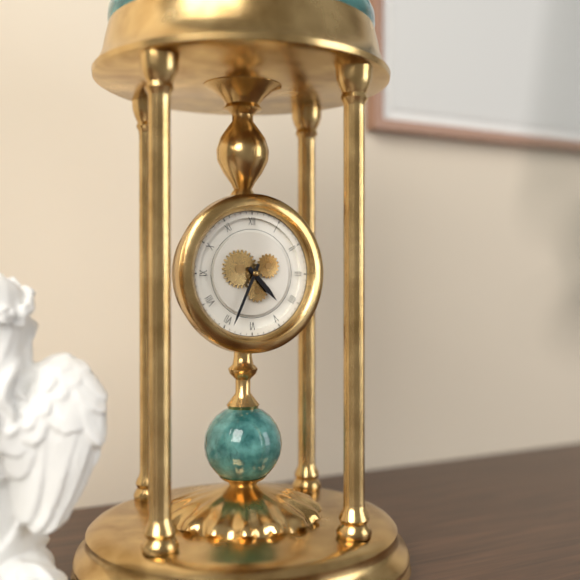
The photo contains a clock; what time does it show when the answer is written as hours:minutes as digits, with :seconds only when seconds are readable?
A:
4:34
